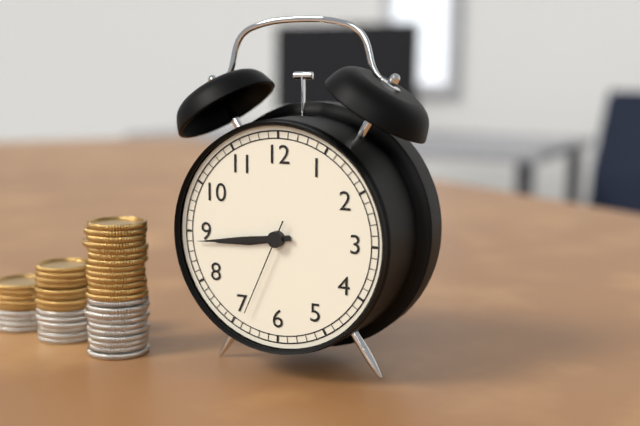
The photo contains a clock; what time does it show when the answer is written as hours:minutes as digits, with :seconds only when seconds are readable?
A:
8:44:34
